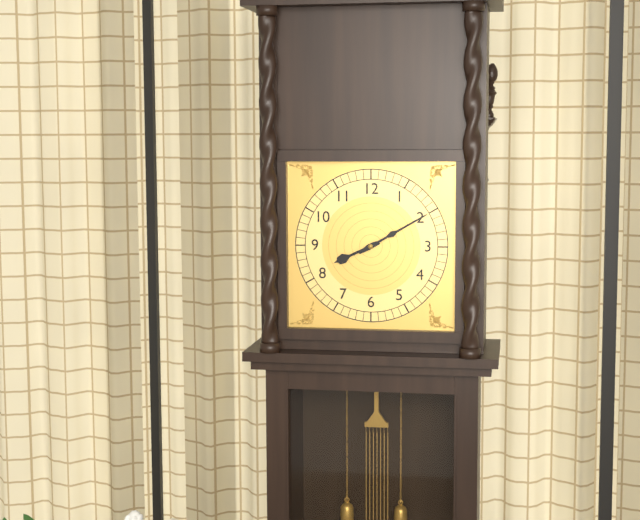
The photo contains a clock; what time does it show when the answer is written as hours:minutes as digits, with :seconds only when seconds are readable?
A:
8:10
